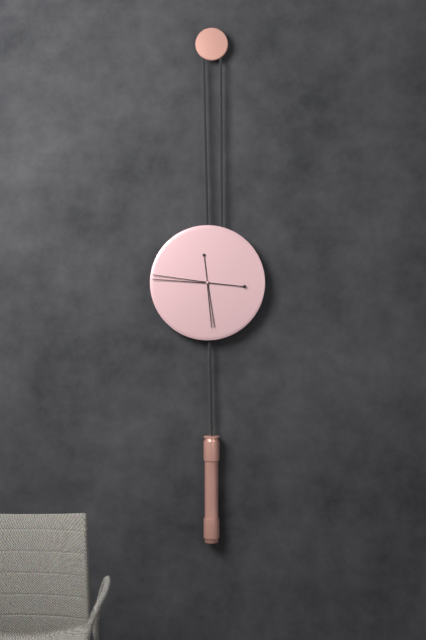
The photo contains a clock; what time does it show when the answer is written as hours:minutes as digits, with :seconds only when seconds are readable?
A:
5:46
